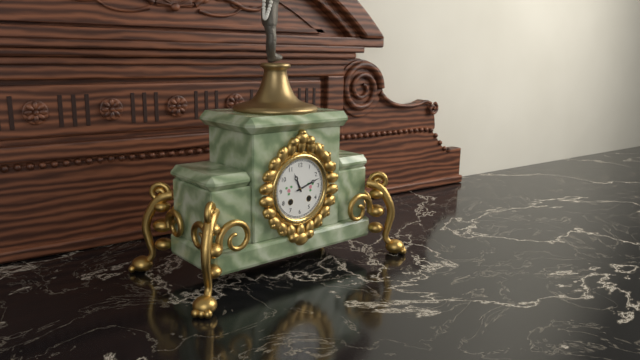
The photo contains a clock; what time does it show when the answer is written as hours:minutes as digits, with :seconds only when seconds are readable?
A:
11:12
